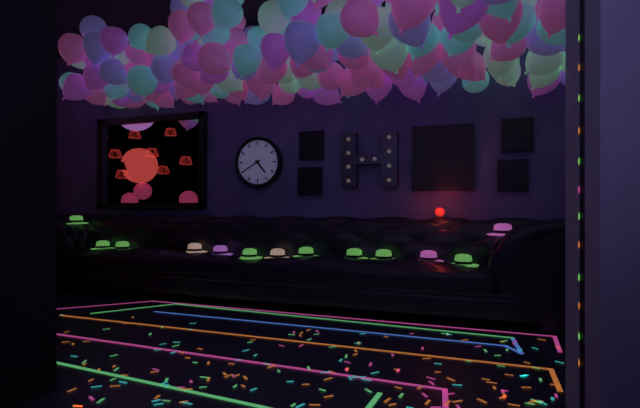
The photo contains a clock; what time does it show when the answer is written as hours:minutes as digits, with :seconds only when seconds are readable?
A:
4:40
